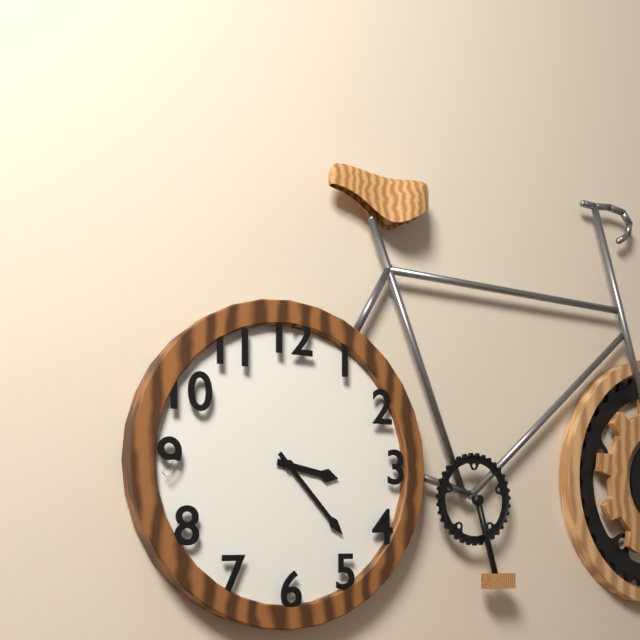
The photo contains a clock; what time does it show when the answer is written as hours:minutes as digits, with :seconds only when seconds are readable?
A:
3:23
